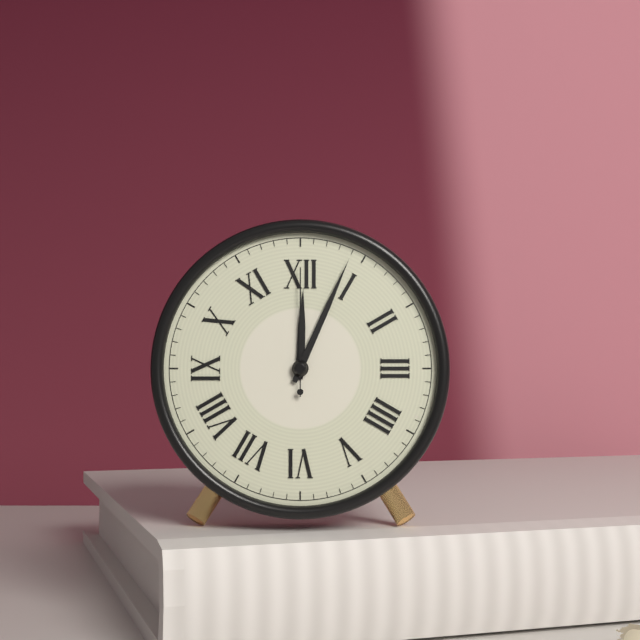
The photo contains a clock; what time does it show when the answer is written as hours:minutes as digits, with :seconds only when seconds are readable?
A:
12:04:00
